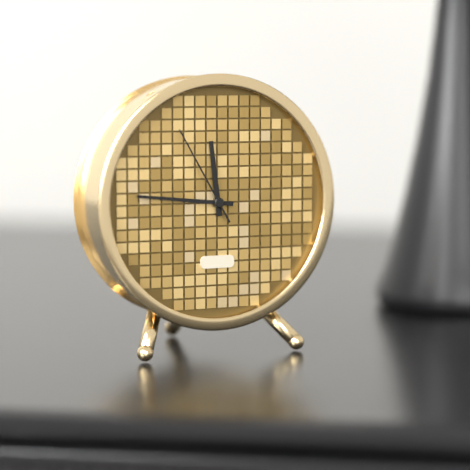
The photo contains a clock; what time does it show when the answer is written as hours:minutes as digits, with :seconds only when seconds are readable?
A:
11:46:55
